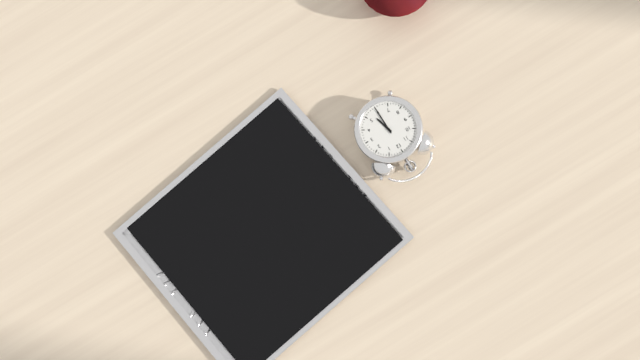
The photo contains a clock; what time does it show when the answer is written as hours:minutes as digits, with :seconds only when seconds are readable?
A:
5:30
